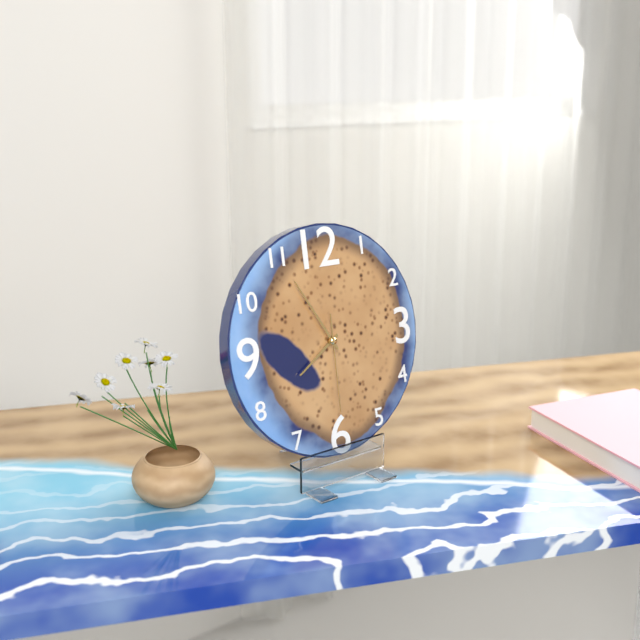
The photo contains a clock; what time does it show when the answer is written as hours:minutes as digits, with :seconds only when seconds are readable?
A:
7:55:30
